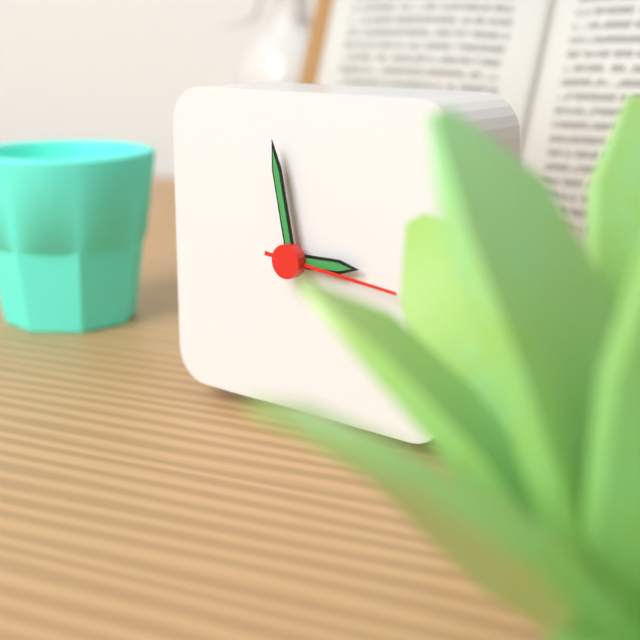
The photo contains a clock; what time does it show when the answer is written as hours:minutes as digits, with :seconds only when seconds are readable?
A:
2:58:16
